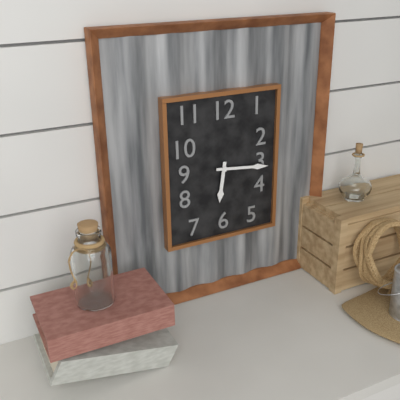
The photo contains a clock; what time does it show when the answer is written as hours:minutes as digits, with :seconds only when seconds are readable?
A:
6:16
